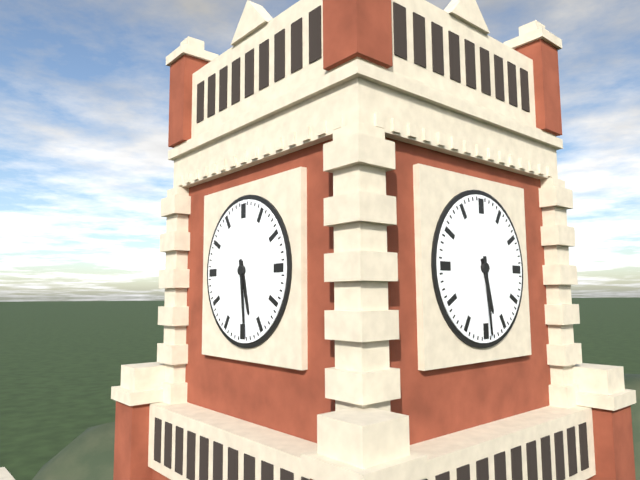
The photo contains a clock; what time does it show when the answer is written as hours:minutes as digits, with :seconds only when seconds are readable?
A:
5:29
